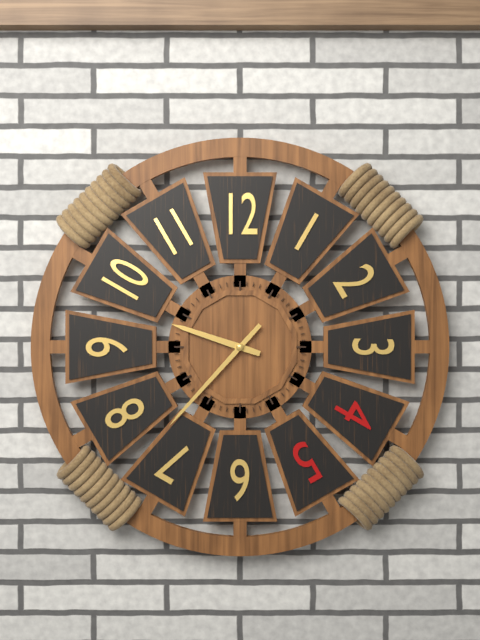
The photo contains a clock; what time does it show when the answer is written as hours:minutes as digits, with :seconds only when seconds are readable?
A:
9:37
